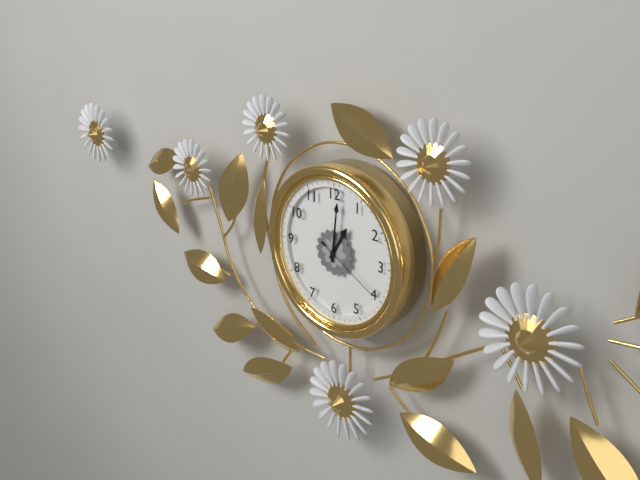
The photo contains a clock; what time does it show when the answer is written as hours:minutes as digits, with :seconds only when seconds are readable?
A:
1:01:20
